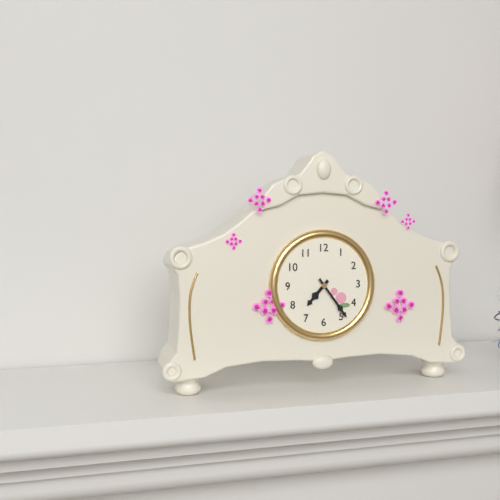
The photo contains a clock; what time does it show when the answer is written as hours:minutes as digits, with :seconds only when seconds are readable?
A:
7:24
